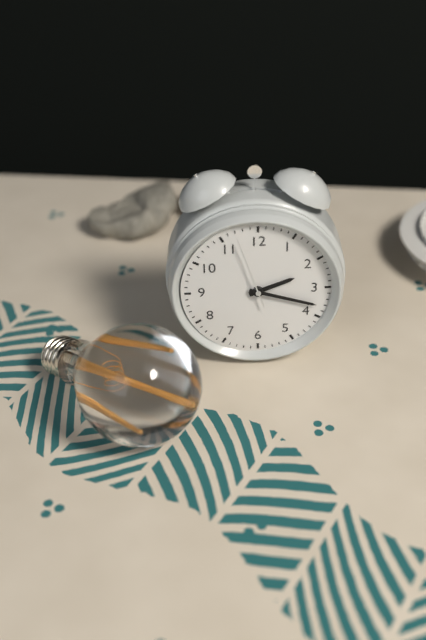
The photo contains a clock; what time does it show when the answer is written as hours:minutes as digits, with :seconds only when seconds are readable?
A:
2:18:57
